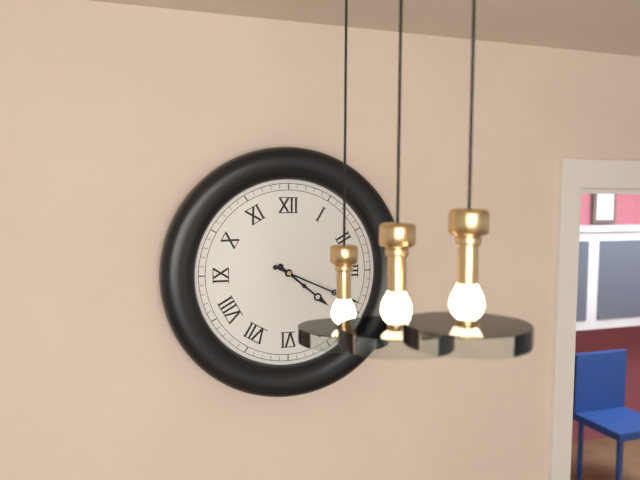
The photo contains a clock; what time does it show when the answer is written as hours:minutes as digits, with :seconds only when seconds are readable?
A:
4:19
